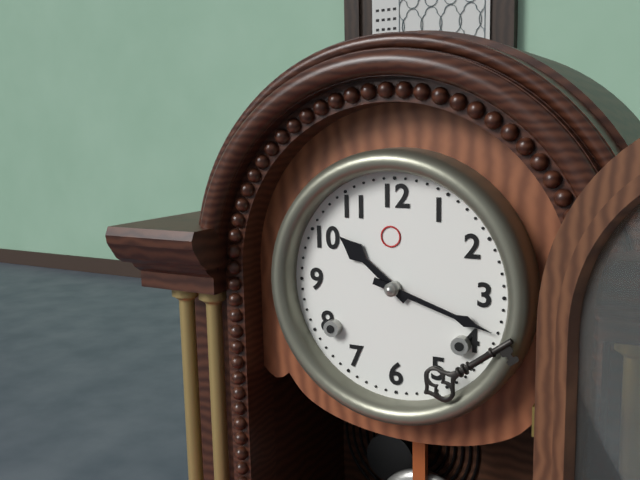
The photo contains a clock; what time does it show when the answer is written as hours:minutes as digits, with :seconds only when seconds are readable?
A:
10:18
